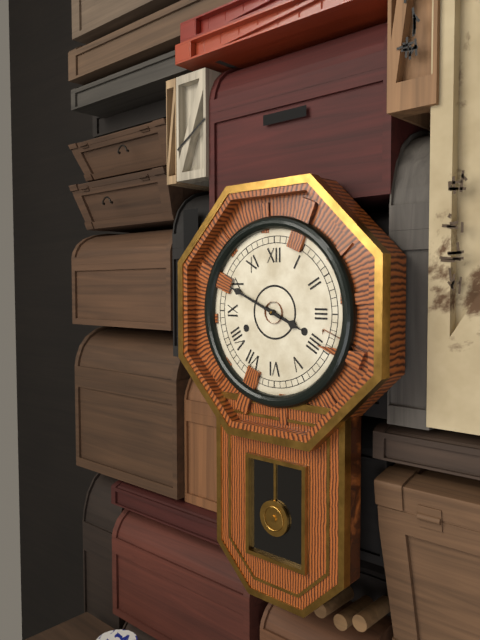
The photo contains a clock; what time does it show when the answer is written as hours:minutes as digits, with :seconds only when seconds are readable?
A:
3:49
